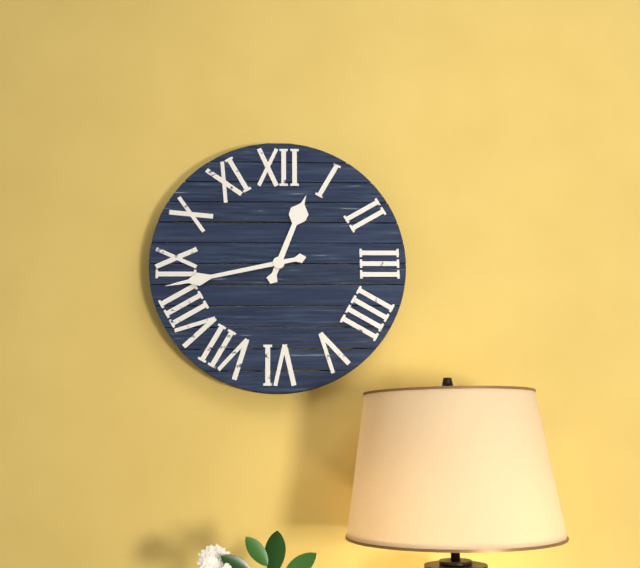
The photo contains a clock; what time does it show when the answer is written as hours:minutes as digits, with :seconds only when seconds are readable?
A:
12:43
